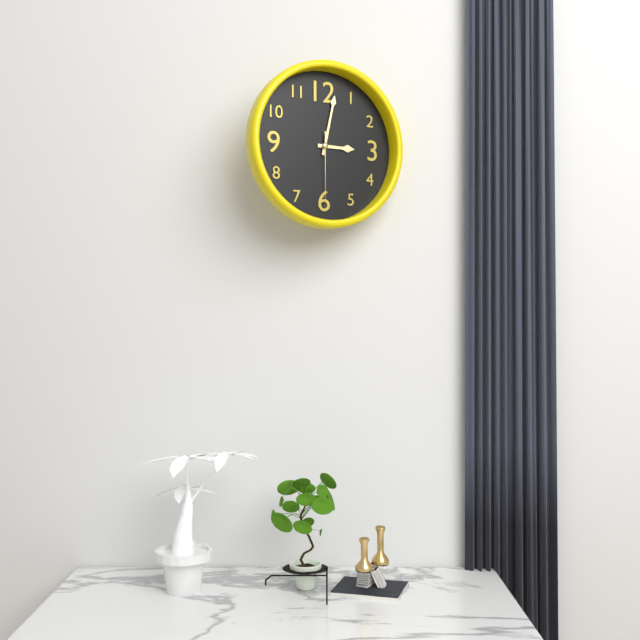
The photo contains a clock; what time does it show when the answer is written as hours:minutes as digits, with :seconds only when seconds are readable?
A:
3:02:30
